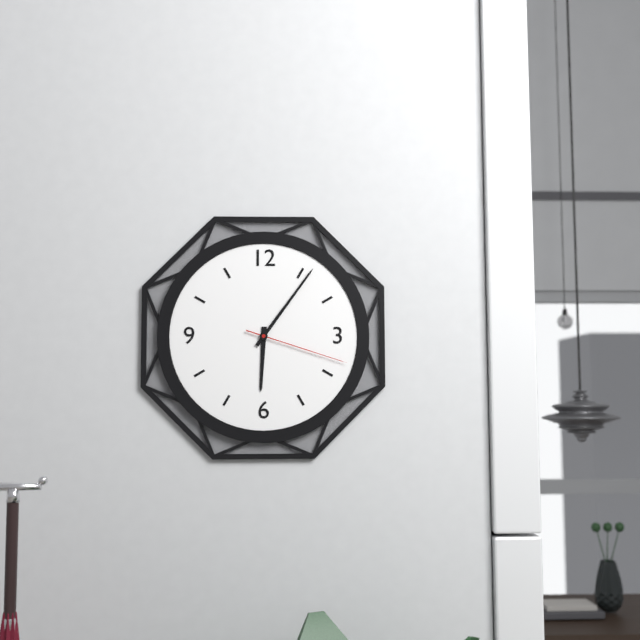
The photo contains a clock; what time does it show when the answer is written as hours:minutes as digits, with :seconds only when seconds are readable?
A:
6:06:18
